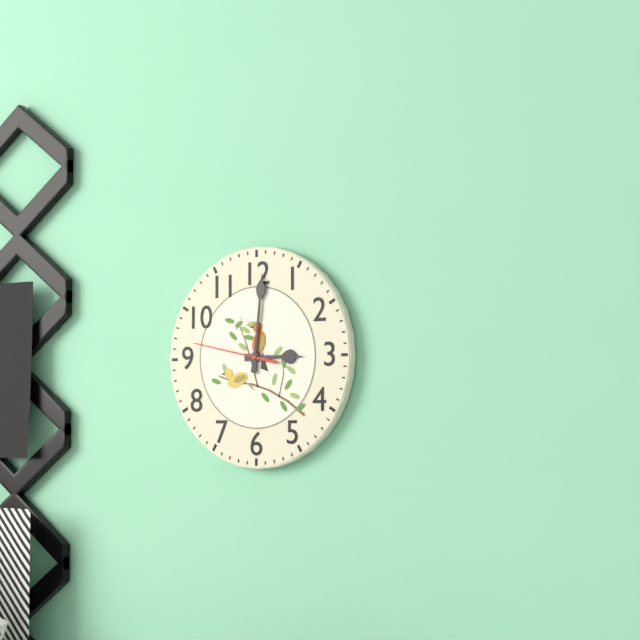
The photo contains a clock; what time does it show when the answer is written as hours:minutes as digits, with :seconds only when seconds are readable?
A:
3:01:47
